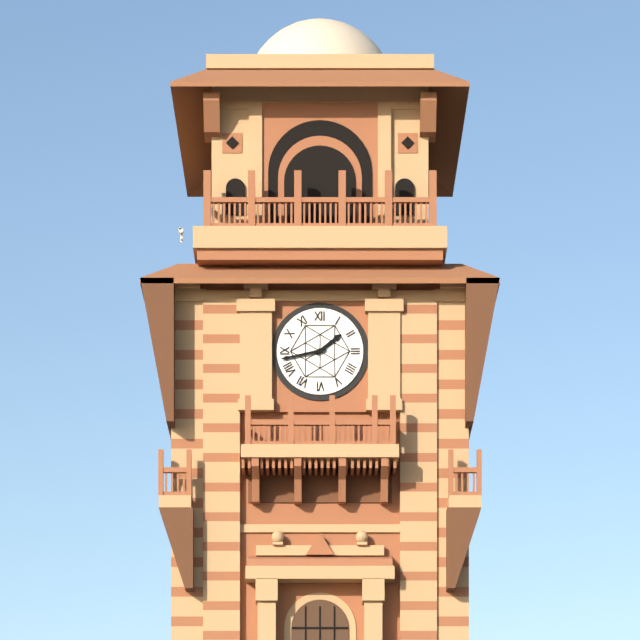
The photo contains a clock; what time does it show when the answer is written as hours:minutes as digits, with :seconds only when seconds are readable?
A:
1:43
